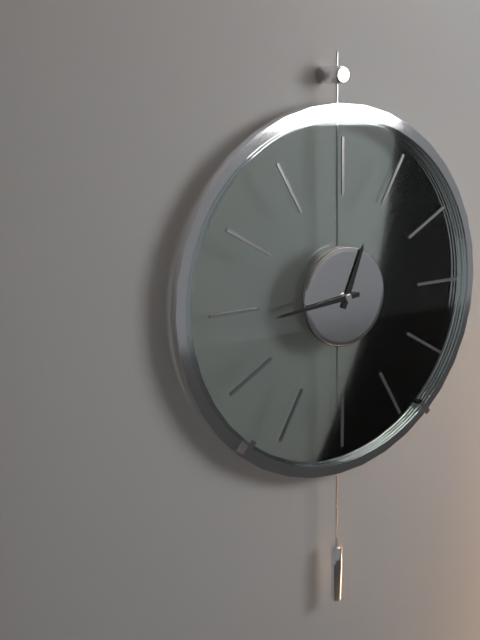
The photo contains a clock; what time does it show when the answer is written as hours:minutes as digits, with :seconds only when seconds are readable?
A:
12:44
